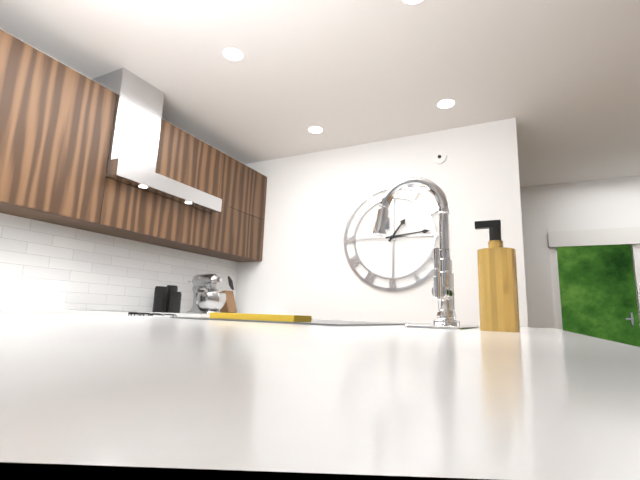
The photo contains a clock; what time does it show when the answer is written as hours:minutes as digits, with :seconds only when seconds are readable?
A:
1:14
